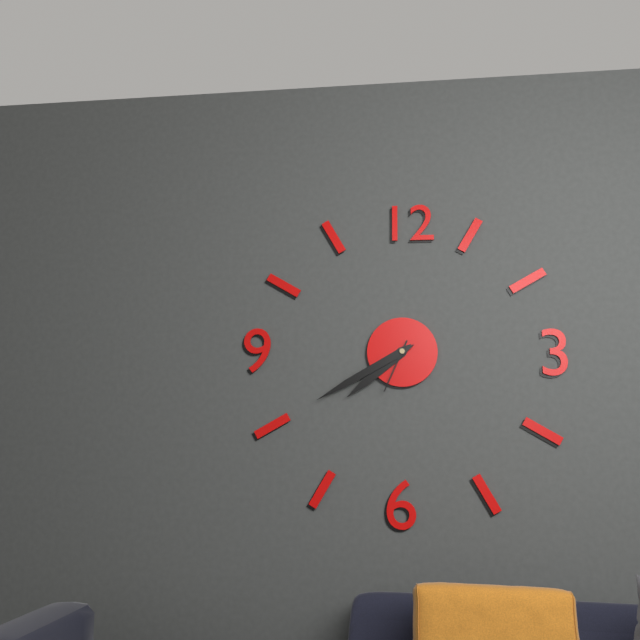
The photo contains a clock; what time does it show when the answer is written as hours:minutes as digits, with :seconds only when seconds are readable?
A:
7:40:34
